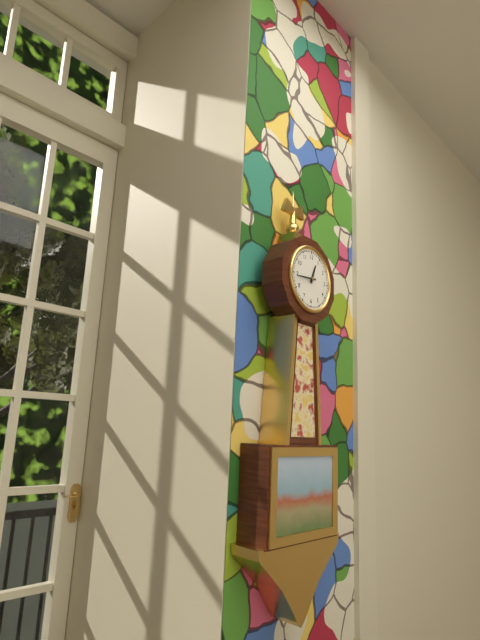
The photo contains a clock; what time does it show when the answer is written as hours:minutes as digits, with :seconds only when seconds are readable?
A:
12:44
